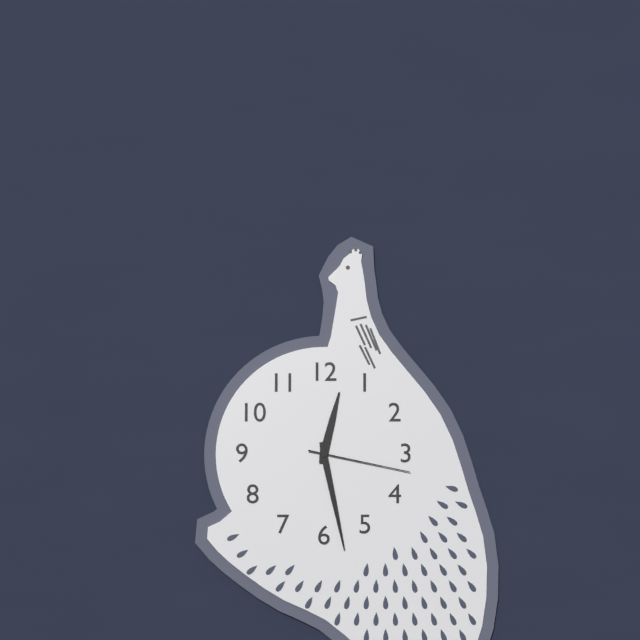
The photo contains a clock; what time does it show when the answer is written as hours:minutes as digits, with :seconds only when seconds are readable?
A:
12:28:17
